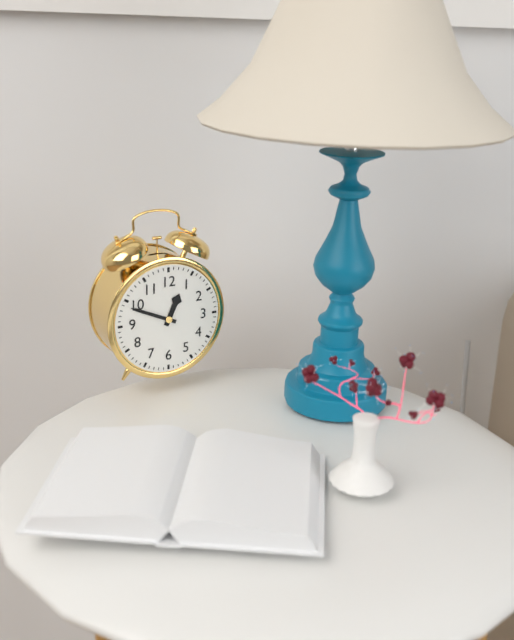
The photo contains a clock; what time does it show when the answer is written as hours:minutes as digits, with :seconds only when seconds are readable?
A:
12:49
